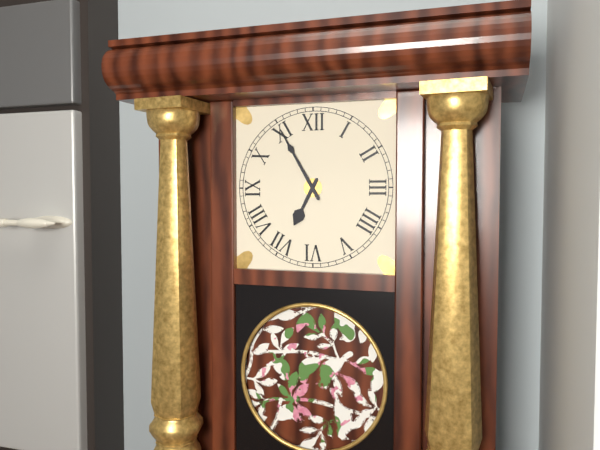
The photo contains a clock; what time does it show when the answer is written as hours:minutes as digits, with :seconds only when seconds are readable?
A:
6:55
